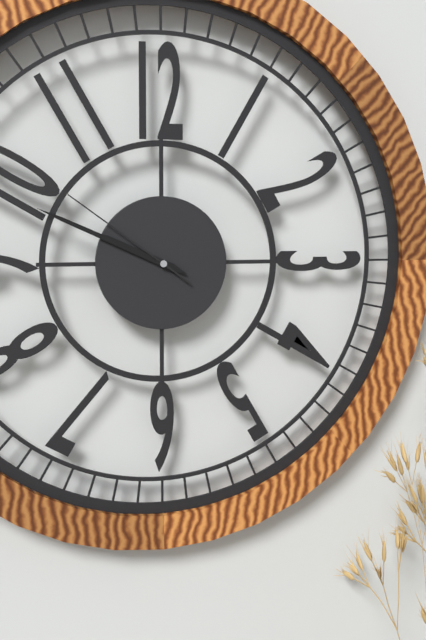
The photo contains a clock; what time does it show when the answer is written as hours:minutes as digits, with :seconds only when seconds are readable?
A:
9:49:51
